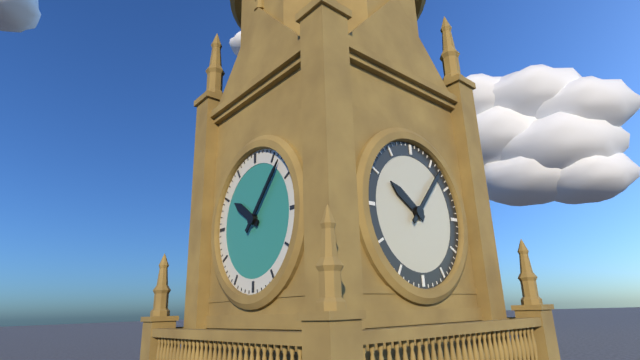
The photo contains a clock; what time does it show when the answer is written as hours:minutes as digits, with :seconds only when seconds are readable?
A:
10:07
